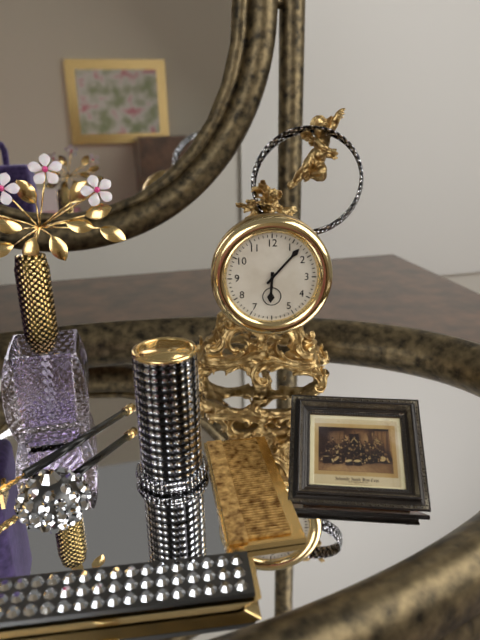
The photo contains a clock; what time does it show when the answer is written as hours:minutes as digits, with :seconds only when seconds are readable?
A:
6:07
